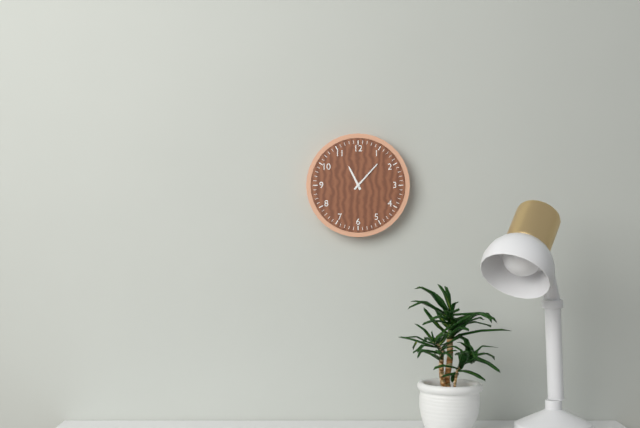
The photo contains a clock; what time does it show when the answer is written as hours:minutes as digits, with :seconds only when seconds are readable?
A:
11:07
